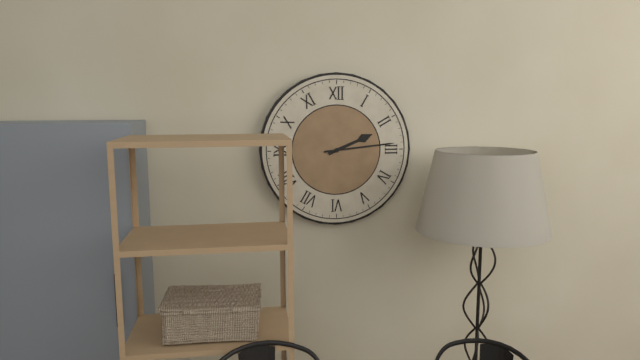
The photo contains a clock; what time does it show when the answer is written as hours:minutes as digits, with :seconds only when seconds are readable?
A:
2:14
